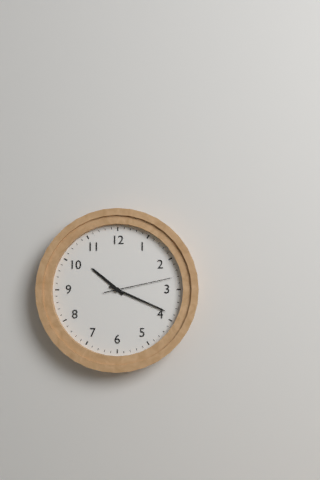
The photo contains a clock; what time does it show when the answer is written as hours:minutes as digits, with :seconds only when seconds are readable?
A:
10:19:13
